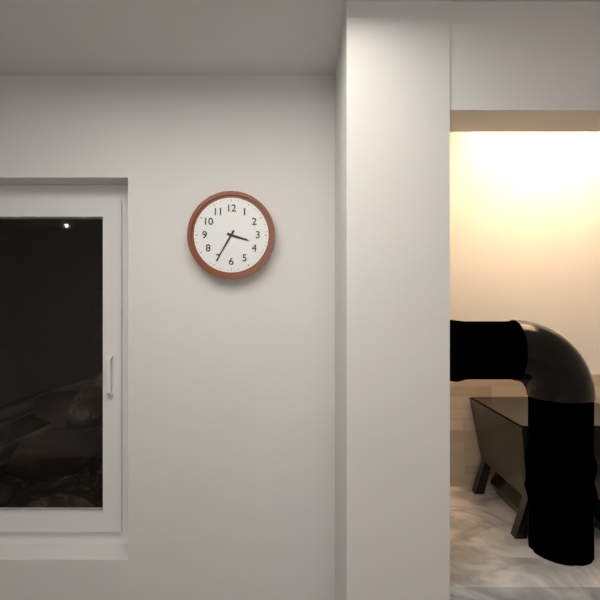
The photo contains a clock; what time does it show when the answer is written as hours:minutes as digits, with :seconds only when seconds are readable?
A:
3:35
